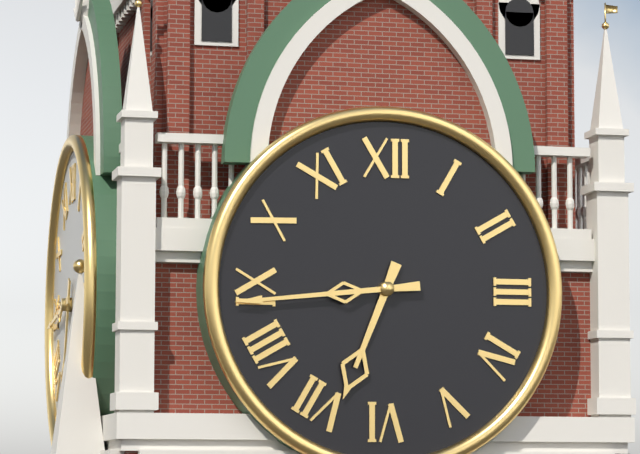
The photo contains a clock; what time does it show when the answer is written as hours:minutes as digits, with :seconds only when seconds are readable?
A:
6:44
